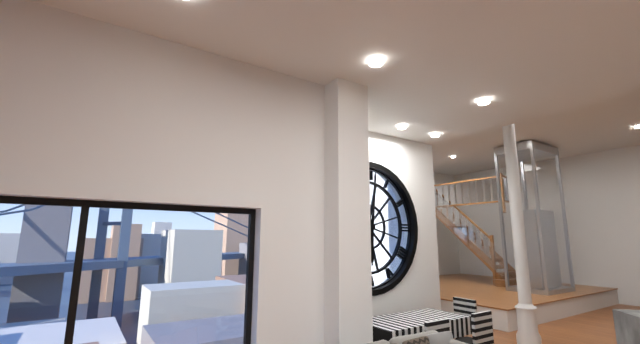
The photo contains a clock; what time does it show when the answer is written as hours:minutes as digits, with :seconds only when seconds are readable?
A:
6:01
